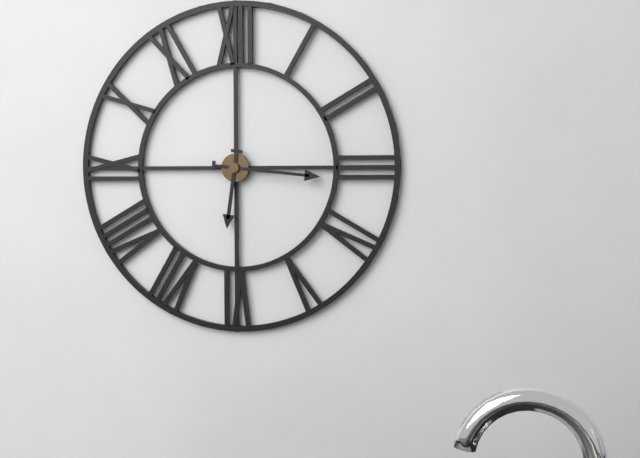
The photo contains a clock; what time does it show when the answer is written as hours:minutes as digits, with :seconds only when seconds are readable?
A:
6:16
